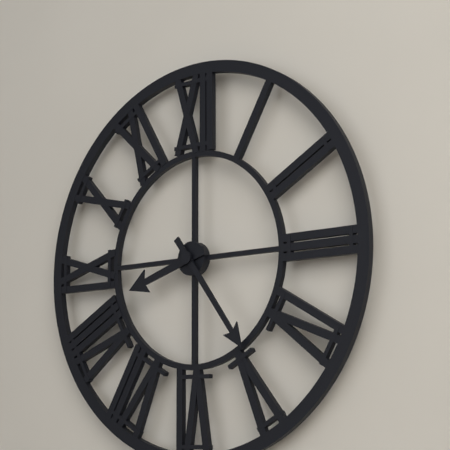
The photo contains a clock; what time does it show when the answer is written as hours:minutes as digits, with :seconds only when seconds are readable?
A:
8:24
